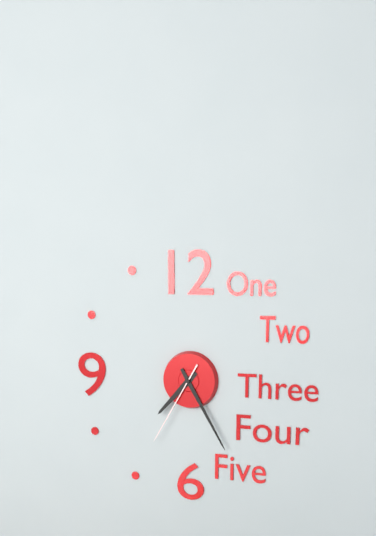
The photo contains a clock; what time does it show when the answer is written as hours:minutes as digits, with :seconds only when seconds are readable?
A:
7:25:35
